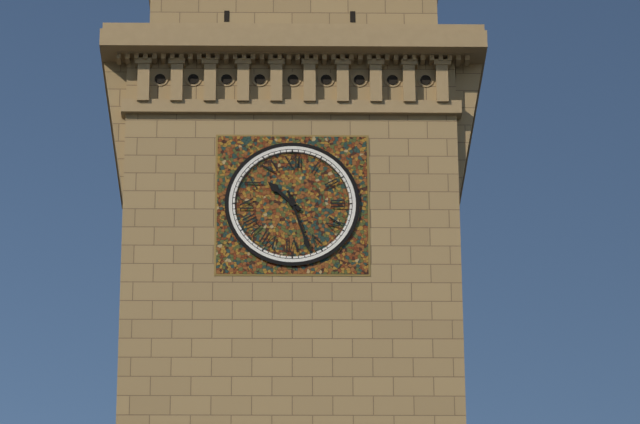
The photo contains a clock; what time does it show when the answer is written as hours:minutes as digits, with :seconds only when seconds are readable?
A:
10:27
